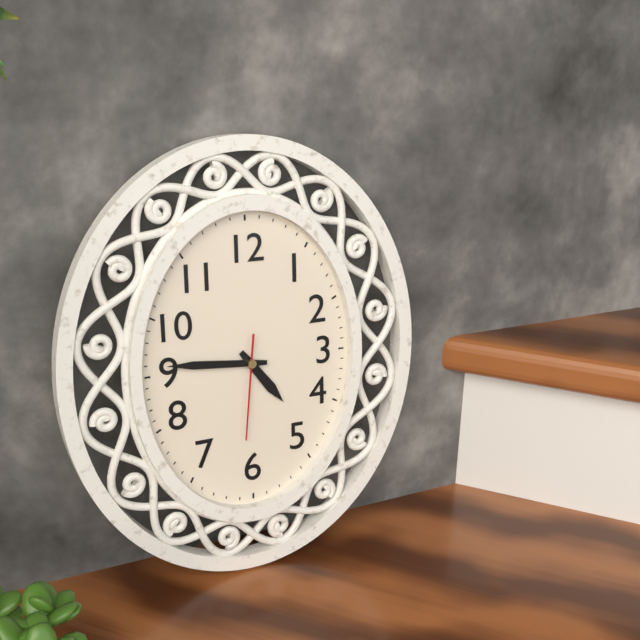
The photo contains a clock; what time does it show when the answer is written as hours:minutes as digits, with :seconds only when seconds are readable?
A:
4:46:31
